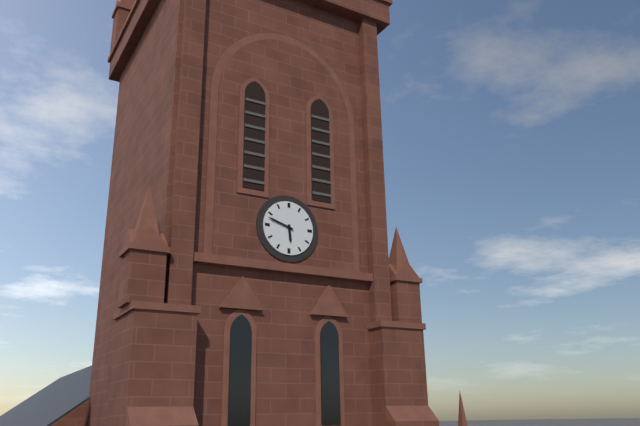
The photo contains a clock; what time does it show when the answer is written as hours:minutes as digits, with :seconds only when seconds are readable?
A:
5:48
